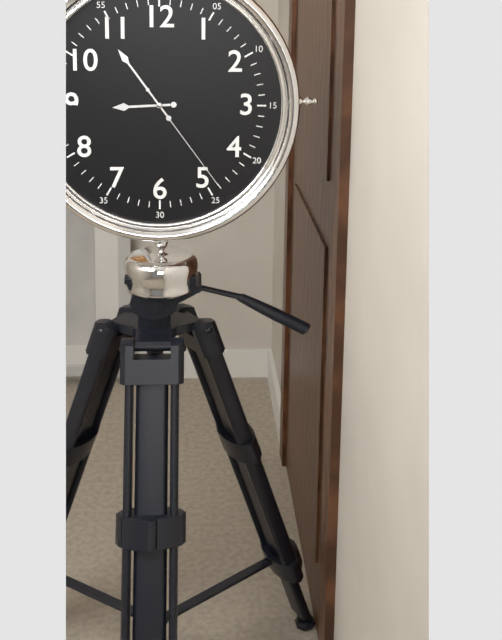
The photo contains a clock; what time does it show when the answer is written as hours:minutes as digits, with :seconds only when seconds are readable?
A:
8:54:24
